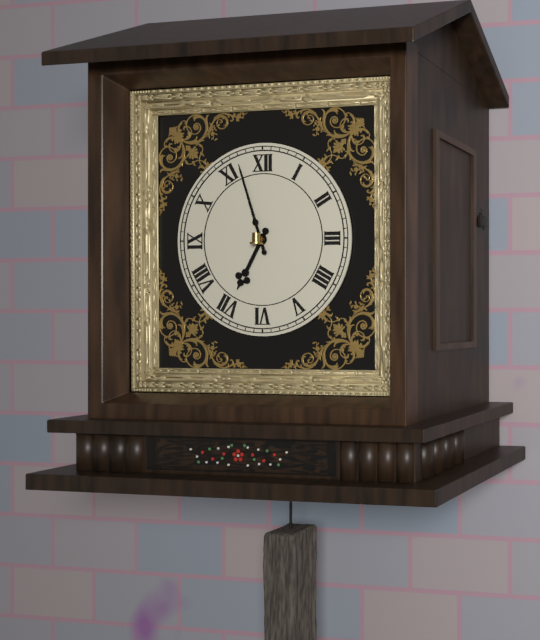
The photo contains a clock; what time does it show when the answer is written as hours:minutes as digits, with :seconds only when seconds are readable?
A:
6:57
